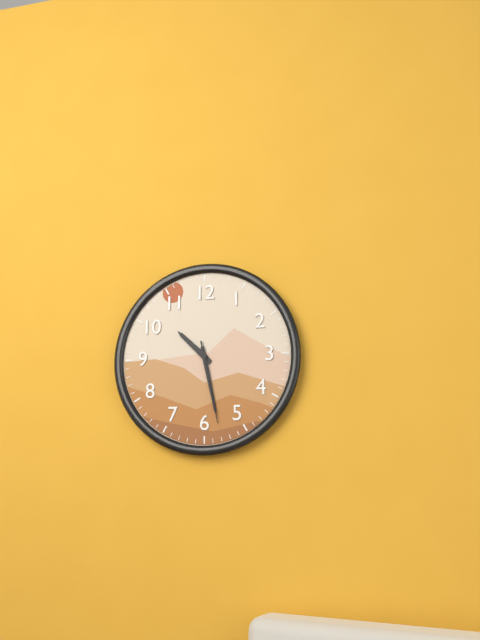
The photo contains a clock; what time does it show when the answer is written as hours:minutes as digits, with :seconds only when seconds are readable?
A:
10:28:28
